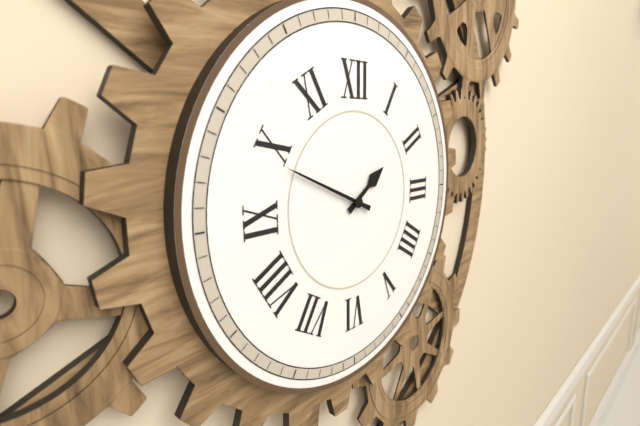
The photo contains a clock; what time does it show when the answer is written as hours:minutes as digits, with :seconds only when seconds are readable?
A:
1:49
